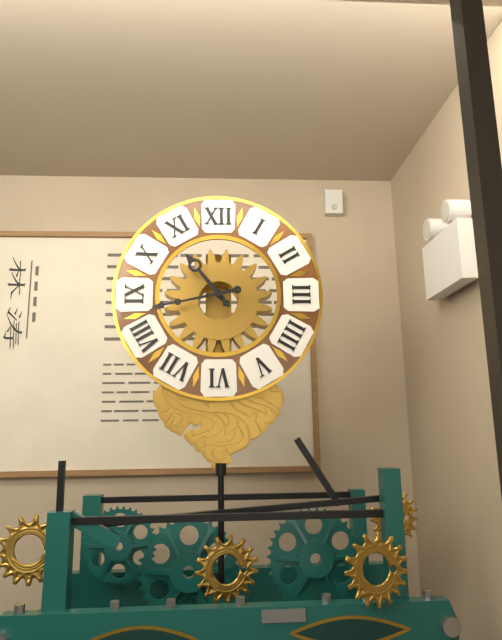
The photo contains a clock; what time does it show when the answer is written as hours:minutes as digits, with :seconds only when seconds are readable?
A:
10:43
